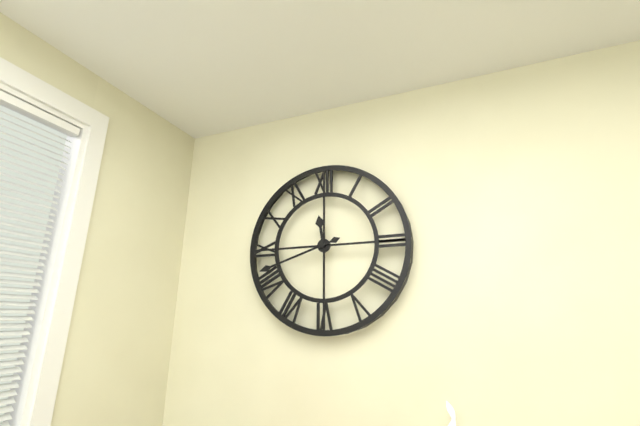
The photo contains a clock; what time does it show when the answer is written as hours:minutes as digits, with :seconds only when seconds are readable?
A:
11:42
